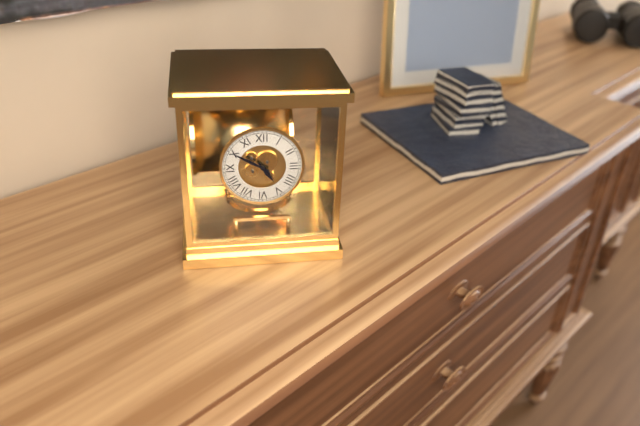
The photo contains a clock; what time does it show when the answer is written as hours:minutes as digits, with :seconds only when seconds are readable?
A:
4:50
